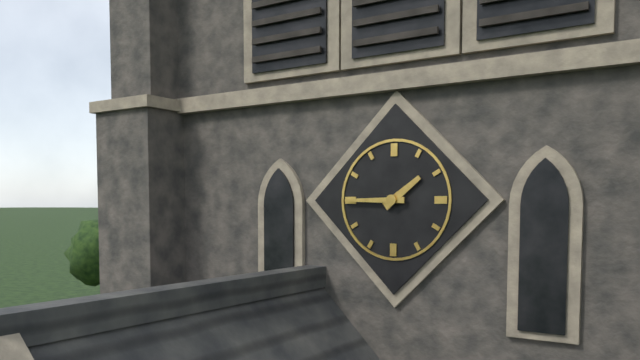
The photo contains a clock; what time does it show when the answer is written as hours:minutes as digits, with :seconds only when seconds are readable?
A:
1:45
